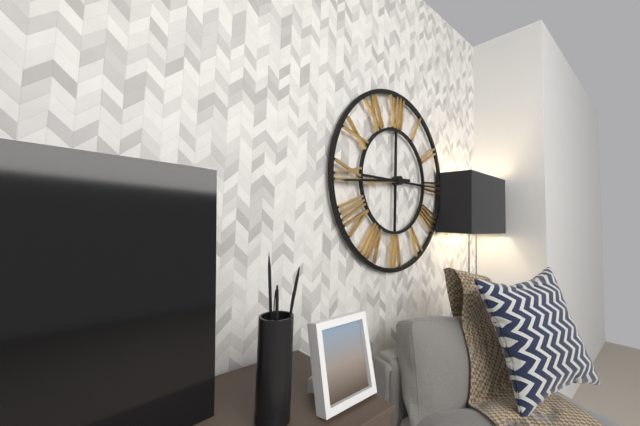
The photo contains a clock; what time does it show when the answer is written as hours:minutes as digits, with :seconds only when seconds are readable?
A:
8:44
